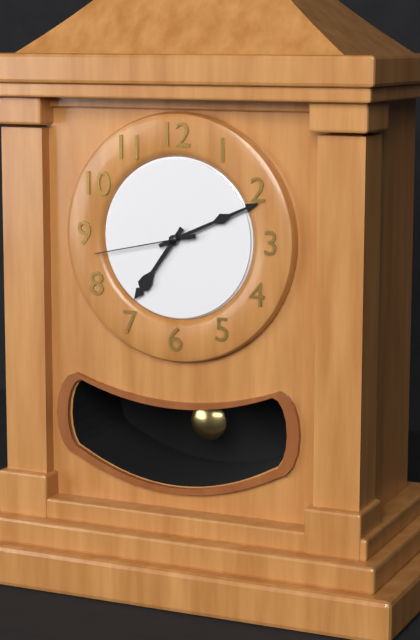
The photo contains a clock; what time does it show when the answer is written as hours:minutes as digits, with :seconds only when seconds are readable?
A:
7:11:43
